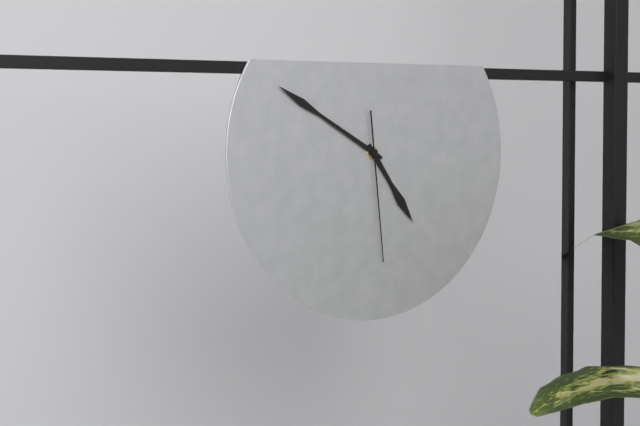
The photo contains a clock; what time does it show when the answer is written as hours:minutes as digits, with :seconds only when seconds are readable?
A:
4:50:29
